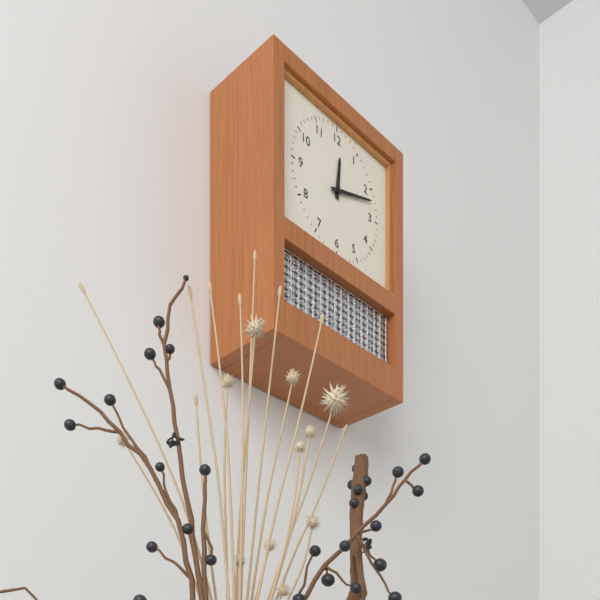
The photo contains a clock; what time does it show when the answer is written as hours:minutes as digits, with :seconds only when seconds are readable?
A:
12:12
